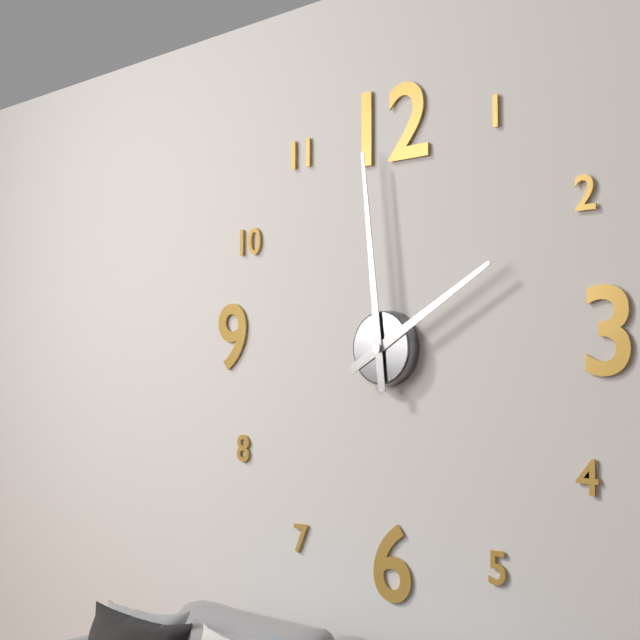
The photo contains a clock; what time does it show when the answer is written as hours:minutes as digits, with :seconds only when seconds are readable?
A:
1:59
